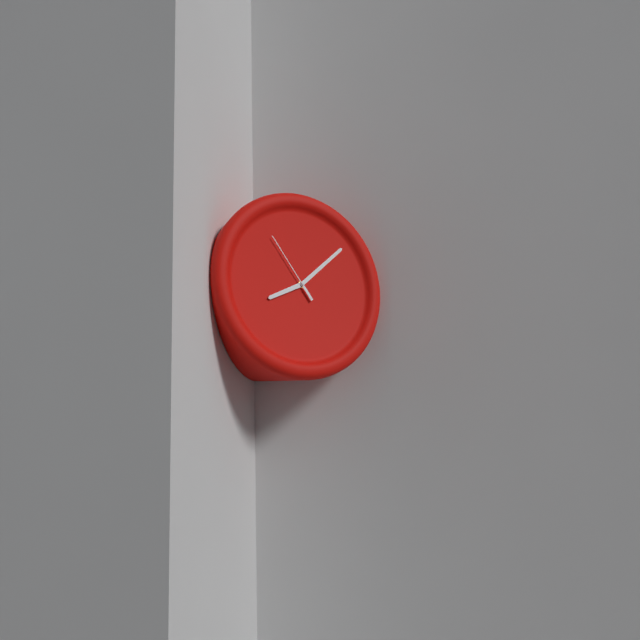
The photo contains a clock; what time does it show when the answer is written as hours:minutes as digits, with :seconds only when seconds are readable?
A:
8:08:54
